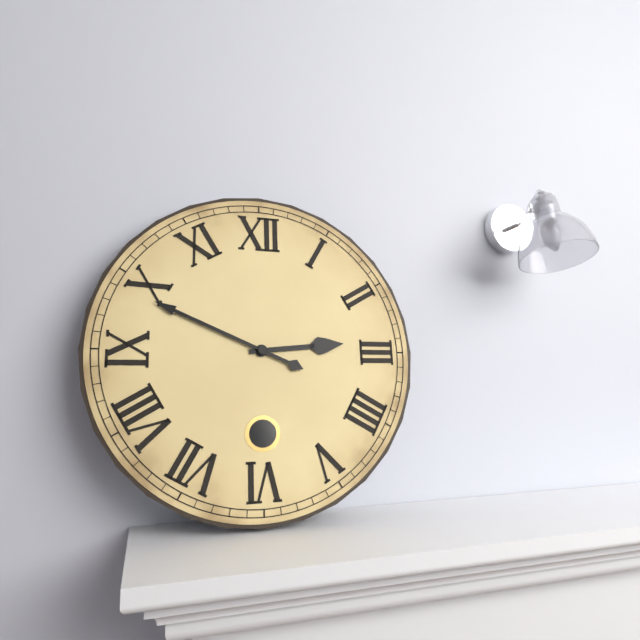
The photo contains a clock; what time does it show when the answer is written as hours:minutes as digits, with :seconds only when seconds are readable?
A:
2:49
